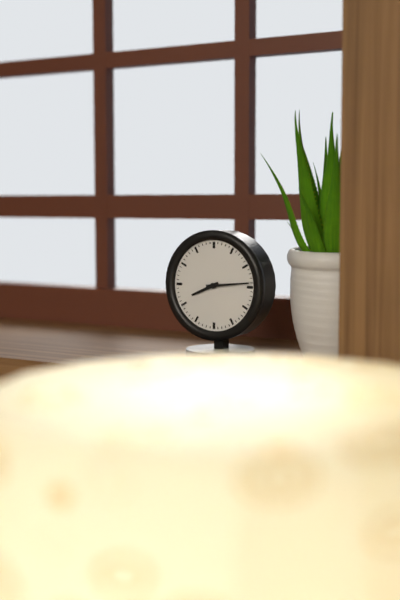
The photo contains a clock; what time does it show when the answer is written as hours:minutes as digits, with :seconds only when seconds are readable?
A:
8:14
